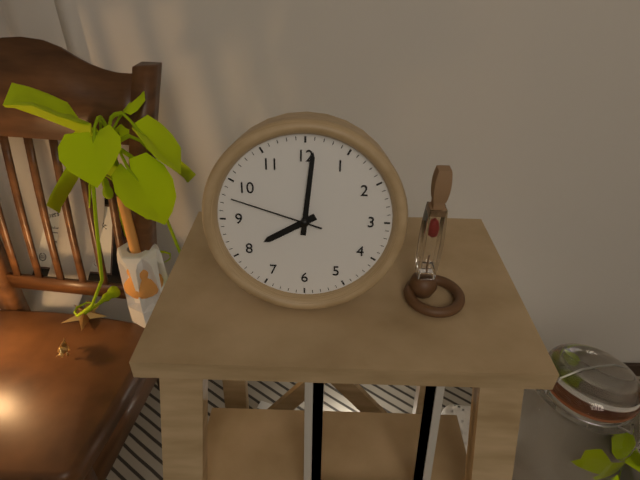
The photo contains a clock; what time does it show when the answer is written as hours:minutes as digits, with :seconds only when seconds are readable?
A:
8:01:48
